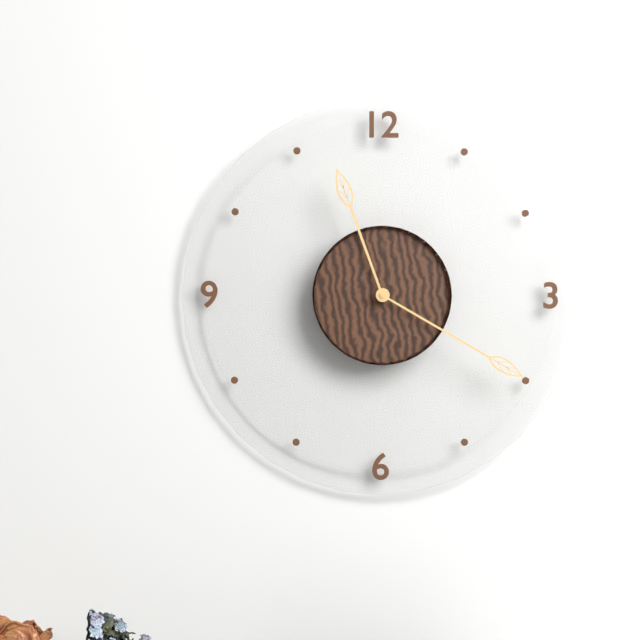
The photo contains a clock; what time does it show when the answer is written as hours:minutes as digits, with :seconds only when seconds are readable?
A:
11:20
